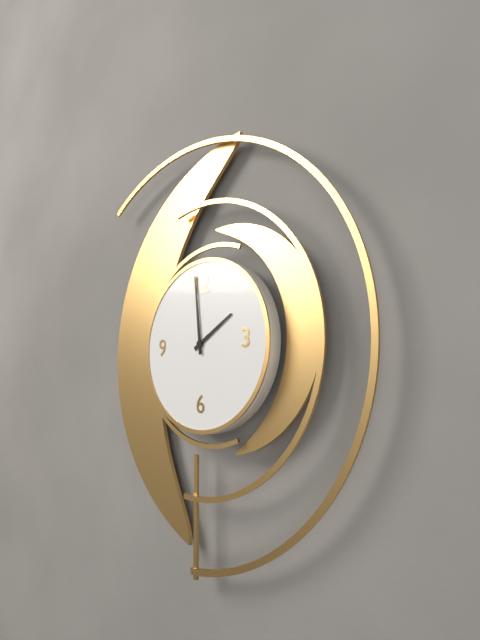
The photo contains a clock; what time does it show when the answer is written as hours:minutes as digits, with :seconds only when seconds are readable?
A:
1:59
